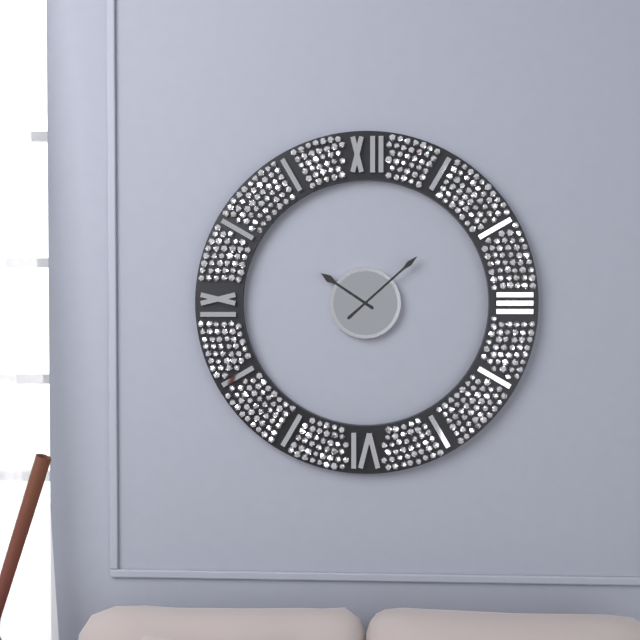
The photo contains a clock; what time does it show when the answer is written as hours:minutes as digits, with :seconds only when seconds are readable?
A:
10:08
